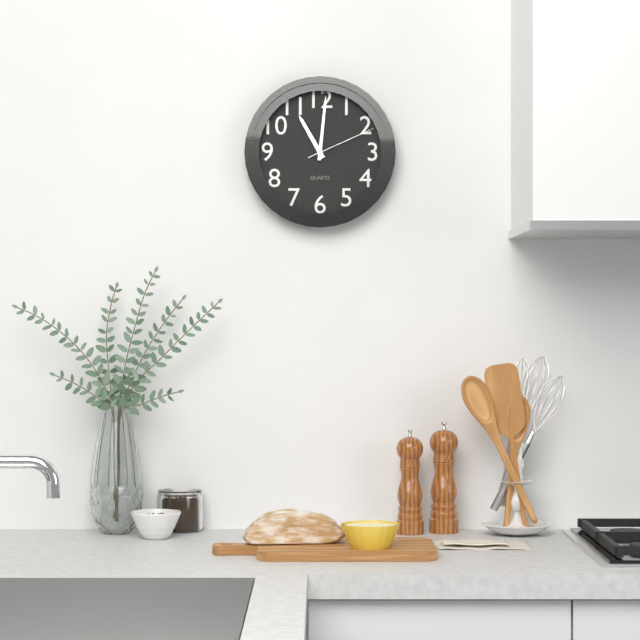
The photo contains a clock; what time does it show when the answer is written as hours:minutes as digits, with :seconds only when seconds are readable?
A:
11:01:11
